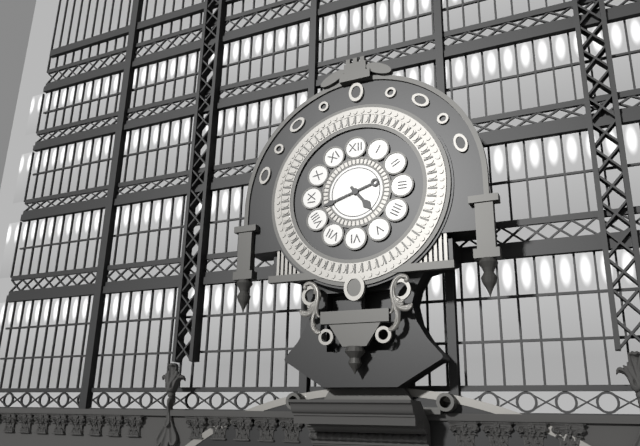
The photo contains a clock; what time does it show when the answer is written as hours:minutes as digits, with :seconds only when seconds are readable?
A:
4:42
